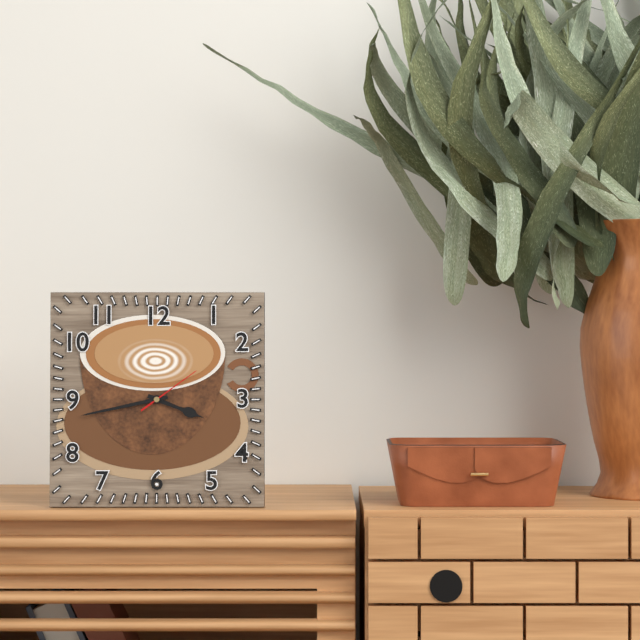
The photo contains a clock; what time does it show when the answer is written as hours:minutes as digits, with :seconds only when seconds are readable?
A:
3:43:09
